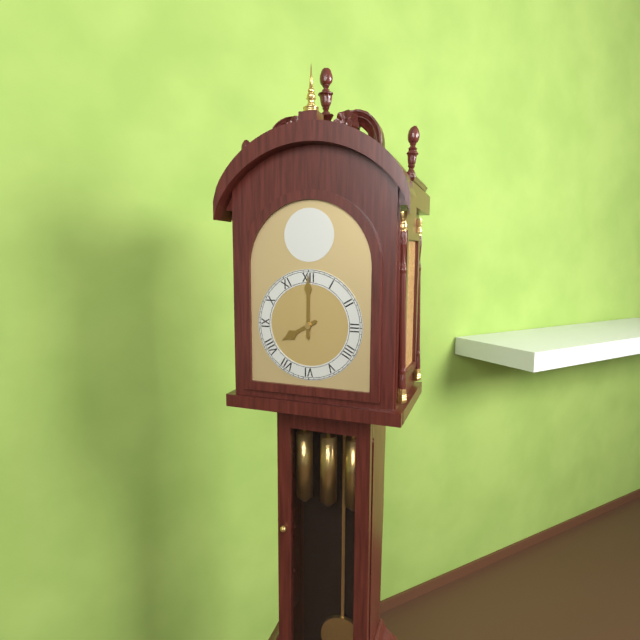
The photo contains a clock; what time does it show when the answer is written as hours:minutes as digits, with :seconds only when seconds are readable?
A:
8:00
